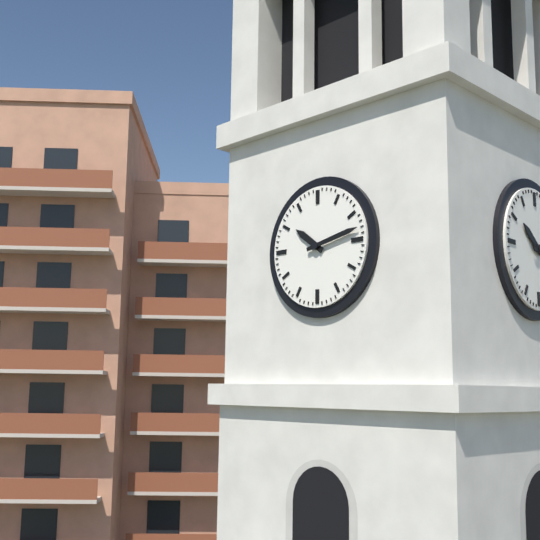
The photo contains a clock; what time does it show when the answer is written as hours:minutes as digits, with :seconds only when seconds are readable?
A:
10:13
